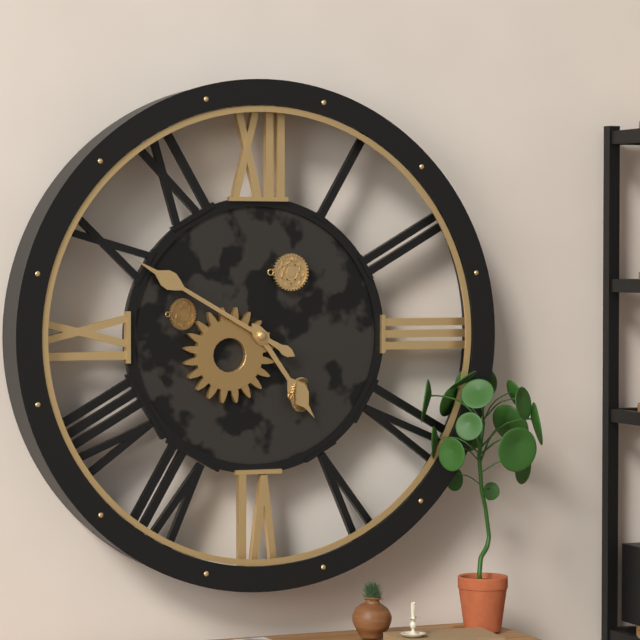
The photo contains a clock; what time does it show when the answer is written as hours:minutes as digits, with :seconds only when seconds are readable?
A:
4:50
